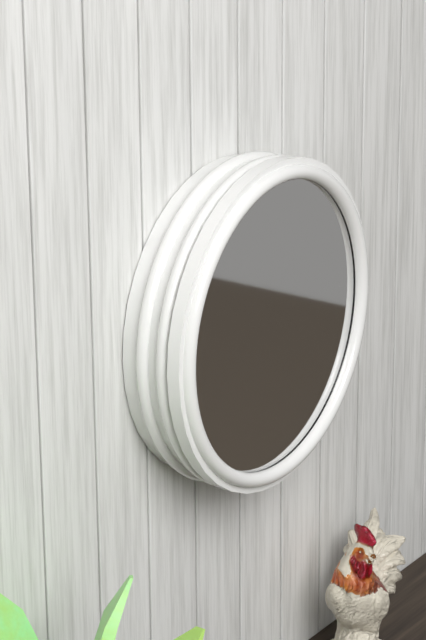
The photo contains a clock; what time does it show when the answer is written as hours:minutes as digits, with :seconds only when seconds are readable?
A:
10:37:34
